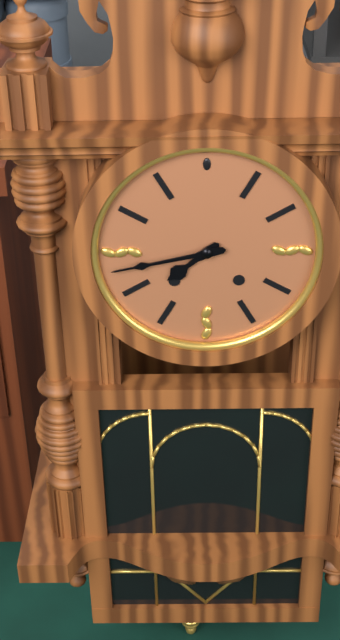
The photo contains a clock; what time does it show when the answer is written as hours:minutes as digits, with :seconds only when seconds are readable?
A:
7:43
